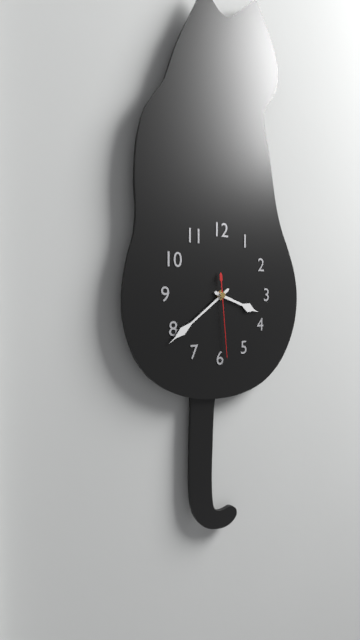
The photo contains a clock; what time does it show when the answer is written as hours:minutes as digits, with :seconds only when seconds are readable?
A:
3:39:29
